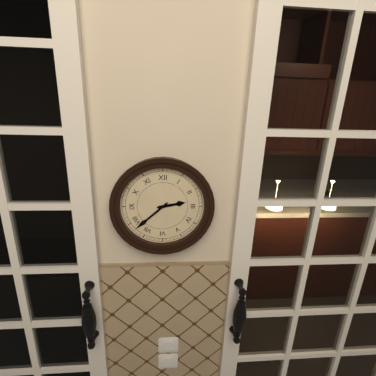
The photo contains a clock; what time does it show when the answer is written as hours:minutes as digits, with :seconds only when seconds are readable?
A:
2:38
